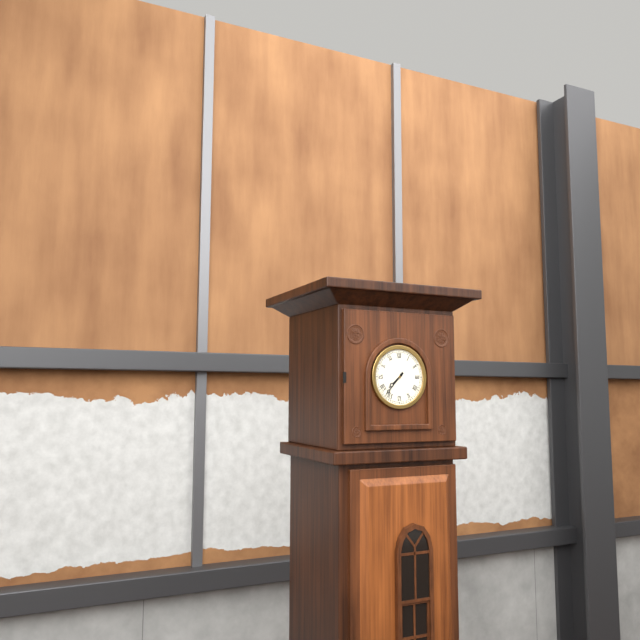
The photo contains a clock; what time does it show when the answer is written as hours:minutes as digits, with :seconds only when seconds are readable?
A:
7:37
